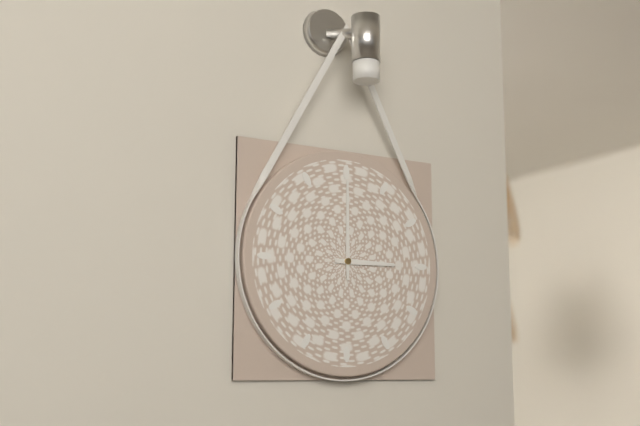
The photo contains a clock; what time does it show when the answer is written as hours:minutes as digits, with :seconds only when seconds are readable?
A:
3:00
